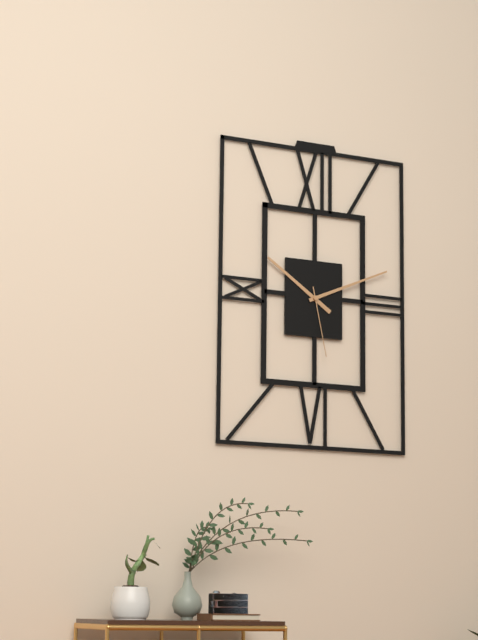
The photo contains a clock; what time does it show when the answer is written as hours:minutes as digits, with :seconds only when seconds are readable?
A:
10:11:28
